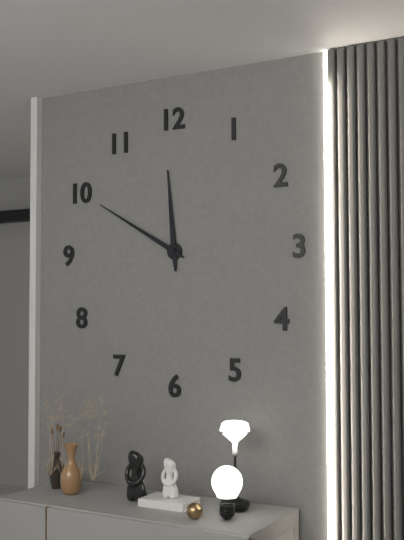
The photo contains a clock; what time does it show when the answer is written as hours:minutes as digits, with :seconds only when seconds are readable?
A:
11:50
